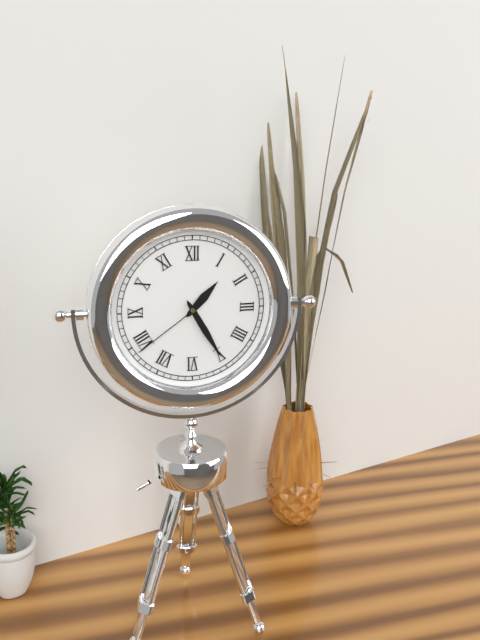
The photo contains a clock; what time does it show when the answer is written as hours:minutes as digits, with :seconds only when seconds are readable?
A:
1:25:39
